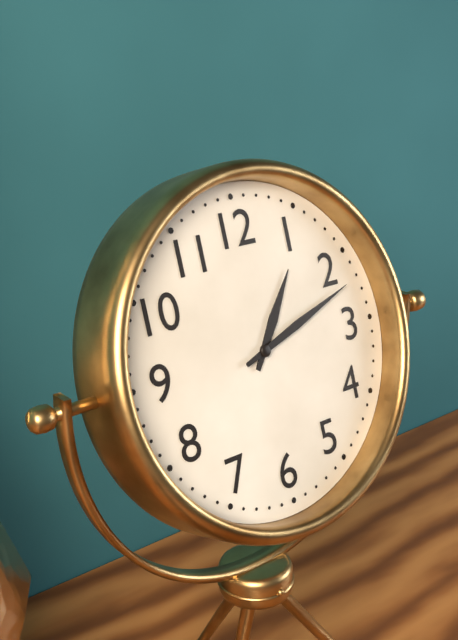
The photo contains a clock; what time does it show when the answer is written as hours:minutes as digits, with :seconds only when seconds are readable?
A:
1:12
